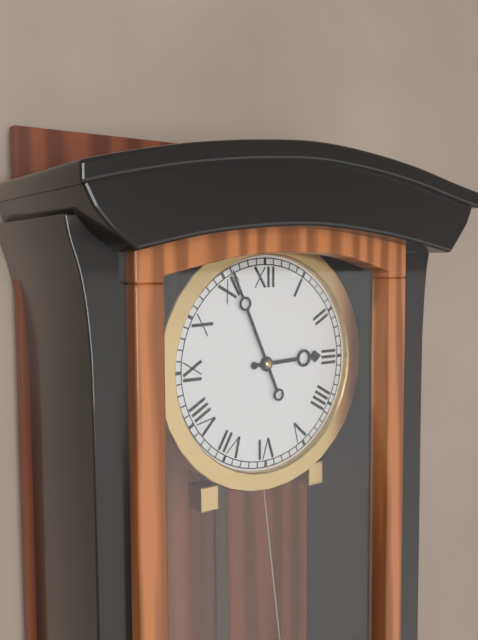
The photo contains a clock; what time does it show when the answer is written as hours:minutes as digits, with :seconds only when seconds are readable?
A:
2:56
